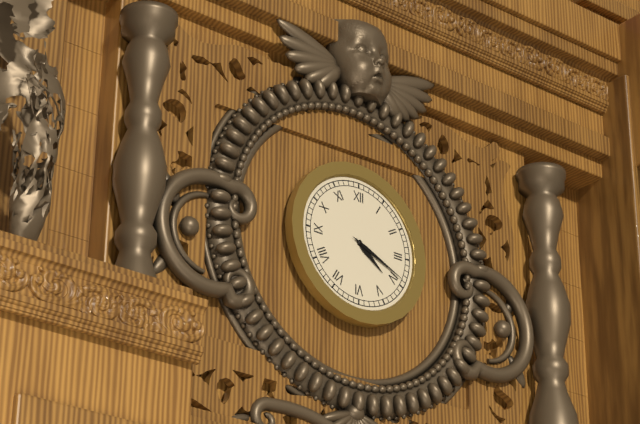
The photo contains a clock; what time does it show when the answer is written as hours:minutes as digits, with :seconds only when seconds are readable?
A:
4:19
